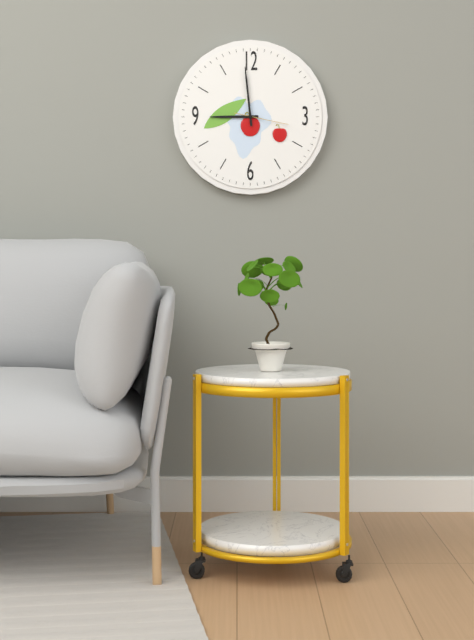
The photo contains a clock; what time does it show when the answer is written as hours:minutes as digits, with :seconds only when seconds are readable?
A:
8:59
